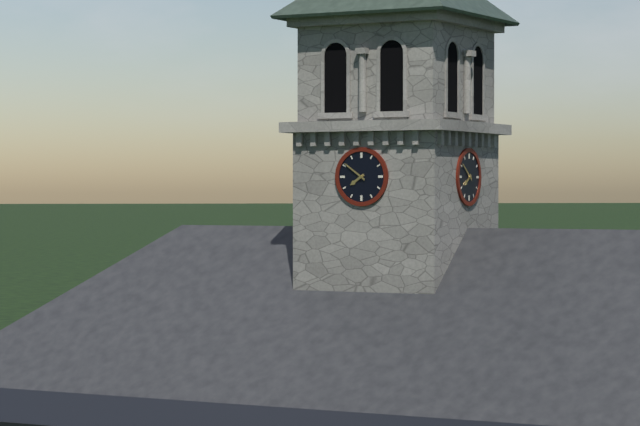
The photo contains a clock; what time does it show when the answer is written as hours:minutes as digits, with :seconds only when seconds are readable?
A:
7:51
